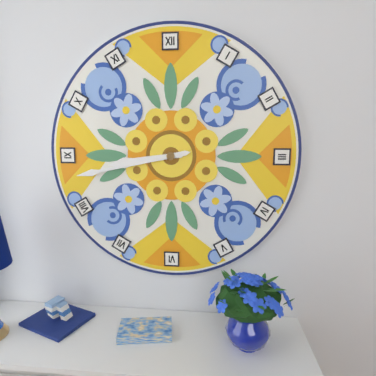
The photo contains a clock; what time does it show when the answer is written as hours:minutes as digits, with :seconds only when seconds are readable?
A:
8:43
